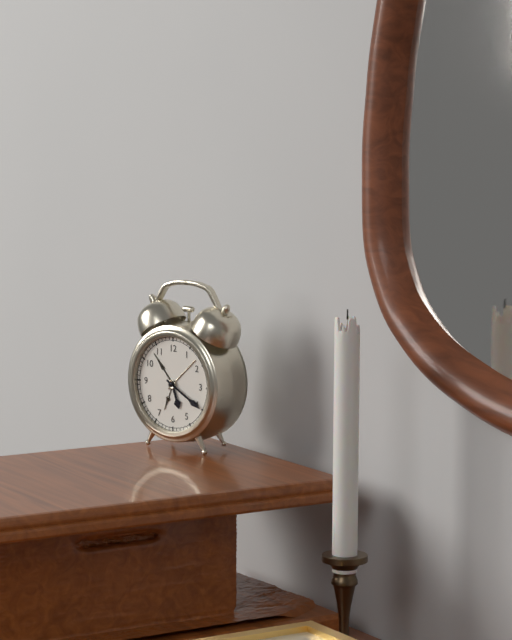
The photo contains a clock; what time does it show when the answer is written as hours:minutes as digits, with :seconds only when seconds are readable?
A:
5:20
